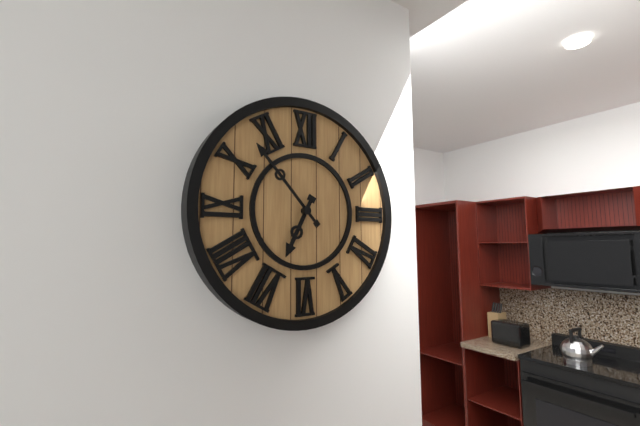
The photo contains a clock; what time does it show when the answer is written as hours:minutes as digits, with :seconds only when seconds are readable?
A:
6:53
